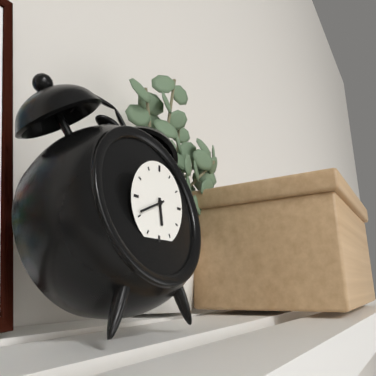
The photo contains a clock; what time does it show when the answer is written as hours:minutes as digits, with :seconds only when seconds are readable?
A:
5:41
